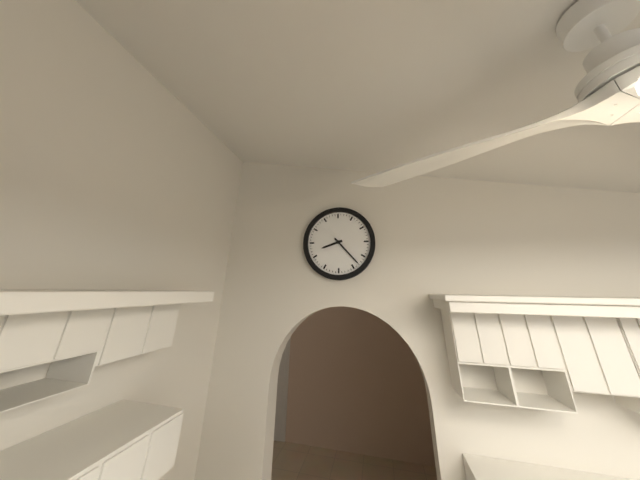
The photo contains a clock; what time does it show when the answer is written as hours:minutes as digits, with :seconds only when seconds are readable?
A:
8:23
